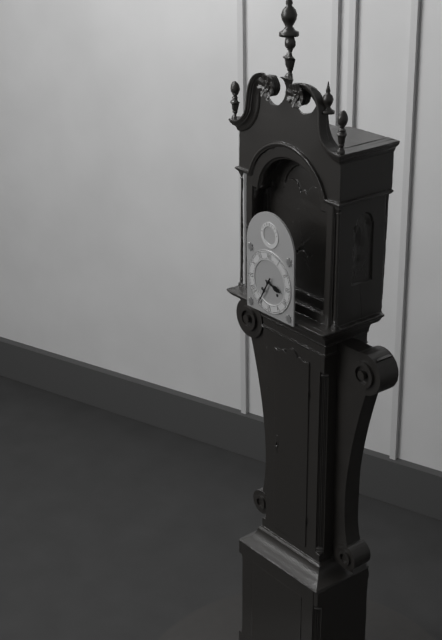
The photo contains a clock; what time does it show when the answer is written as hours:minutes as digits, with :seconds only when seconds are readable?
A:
3:35
